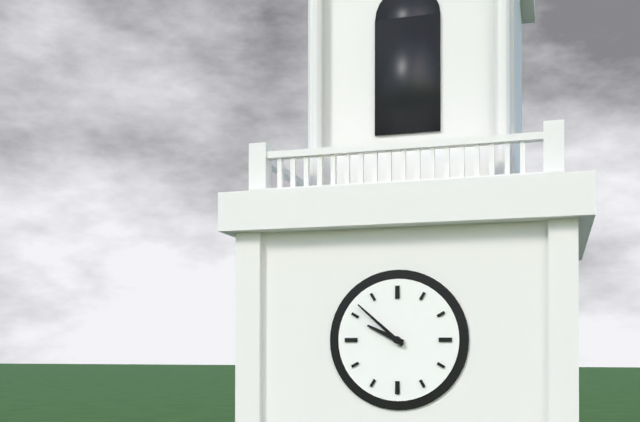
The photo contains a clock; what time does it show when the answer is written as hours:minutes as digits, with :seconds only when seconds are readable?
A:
9:52
